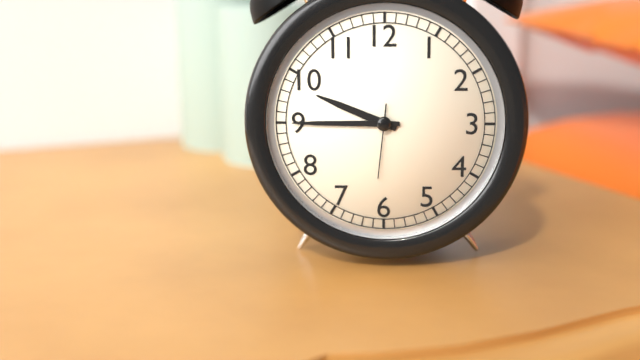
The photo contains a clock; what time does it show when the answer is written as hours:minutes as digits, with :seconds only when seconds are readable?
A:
9:45:31
